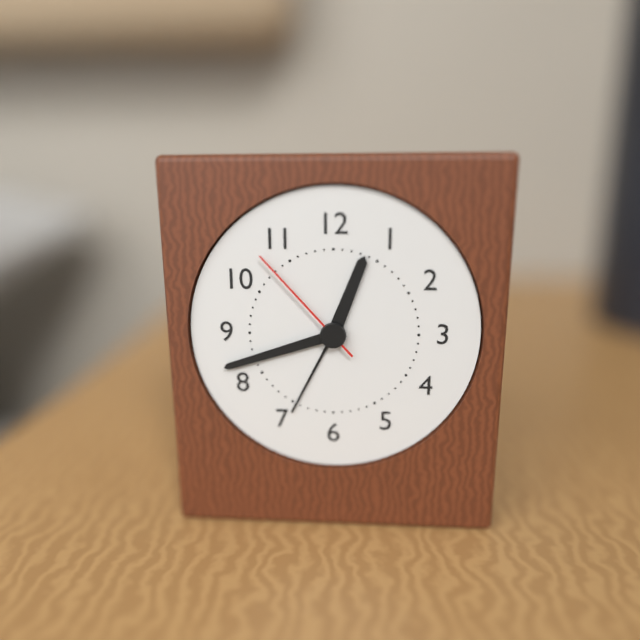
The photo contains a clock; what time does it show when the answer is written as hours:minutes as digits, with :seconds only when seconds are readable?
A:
12:42:53
